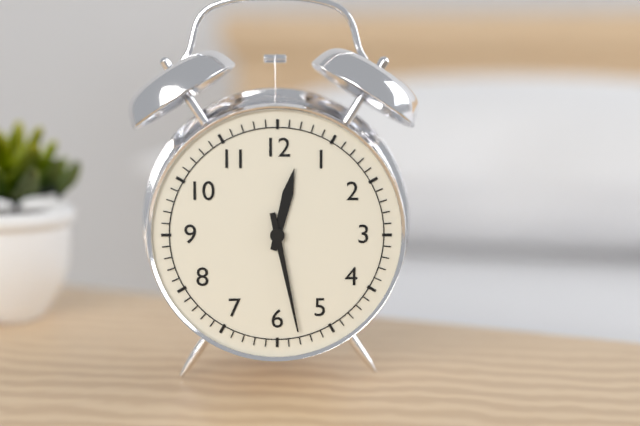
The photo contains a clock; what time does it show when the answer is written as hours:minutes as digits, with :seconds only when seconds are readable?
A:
12:28
